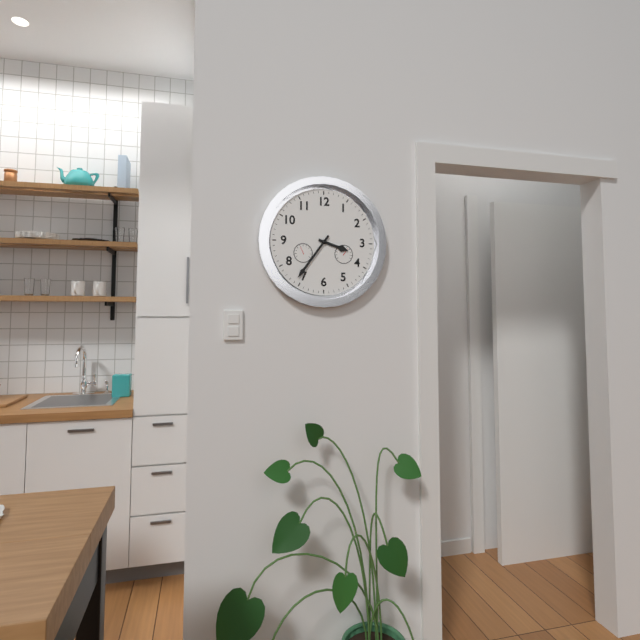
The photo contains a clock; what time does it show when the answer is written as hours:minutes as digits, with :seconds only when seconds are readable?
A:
3:36
